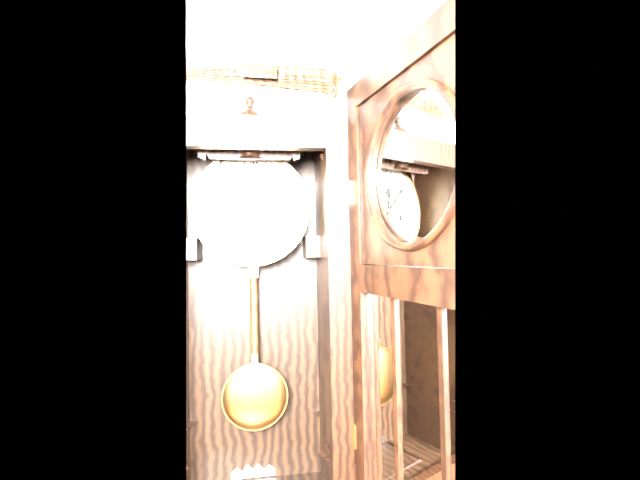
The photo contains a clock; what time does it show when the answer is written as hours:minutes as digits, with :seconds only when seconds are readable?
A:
11:53
